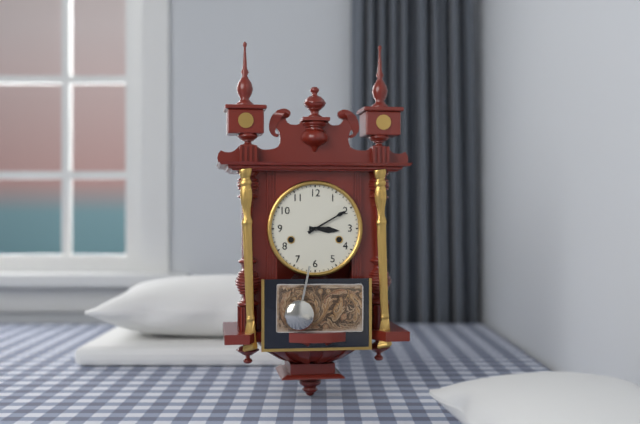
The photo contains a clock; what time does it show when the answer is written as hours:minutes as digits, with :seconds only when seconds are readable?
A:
3:10
